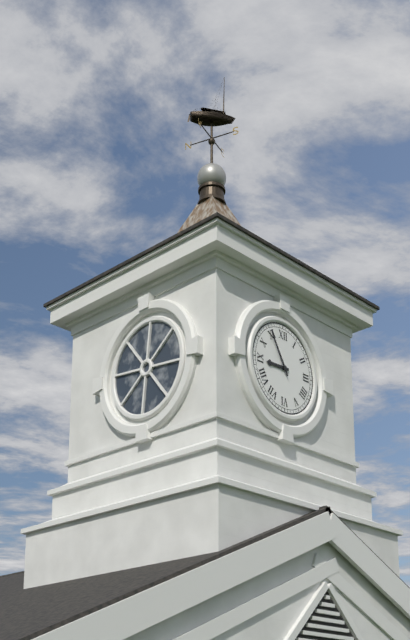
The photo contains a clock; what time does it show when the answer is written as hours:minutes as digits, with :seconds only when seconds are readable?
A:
8:55
